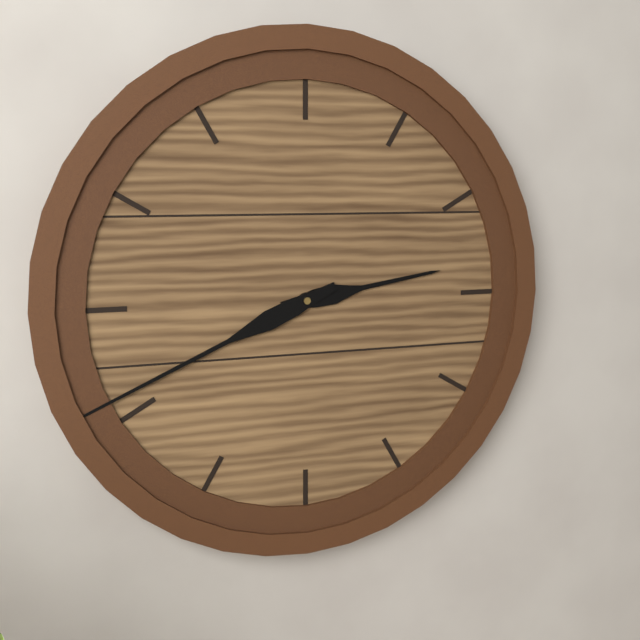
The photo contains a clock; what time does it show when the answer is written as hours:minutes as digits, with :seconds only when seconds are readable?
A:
2:41
